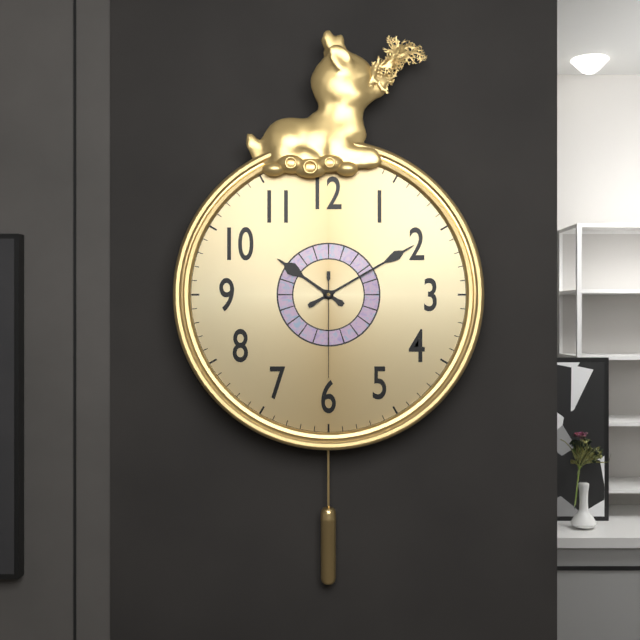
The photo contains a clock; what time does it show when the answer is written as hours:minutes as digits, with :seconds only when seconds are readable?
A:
10:10:30
